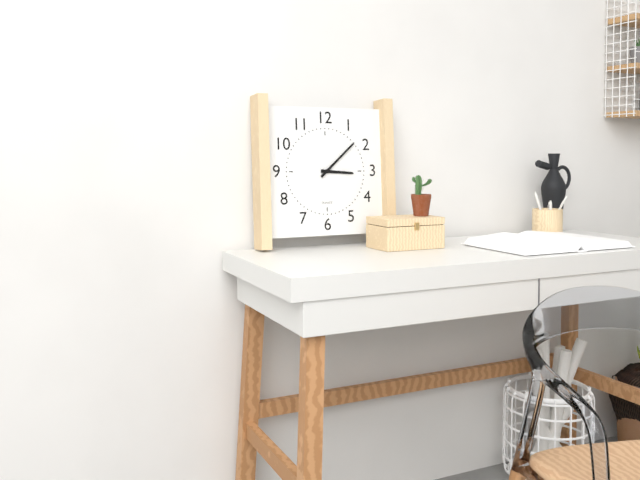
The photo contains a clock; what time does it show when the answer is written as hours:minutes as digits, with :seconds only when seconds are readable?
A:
3:08
